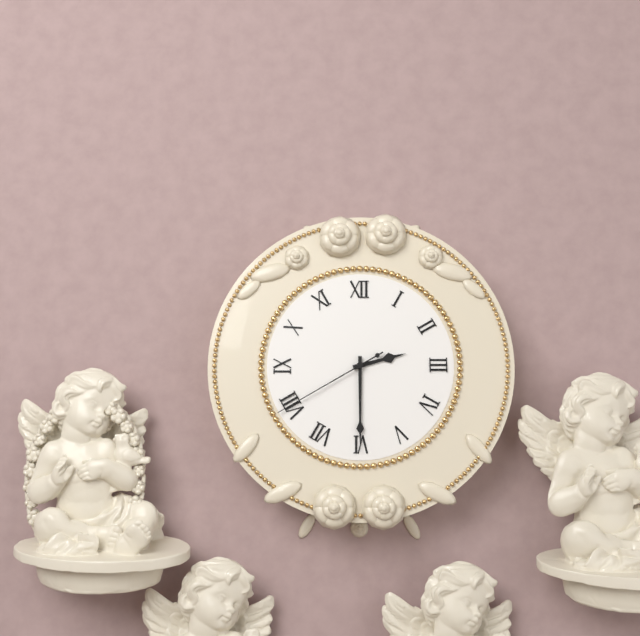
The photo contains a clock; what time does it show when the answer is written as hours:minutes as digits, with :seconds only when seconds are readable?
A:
2:30:40
